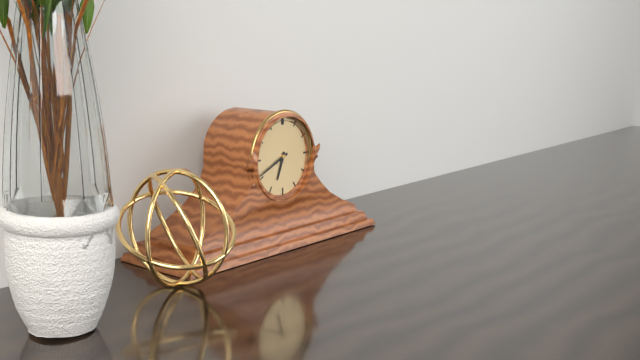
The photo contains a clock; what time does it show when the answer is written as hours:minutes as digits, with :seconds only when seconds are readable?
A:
6:41
